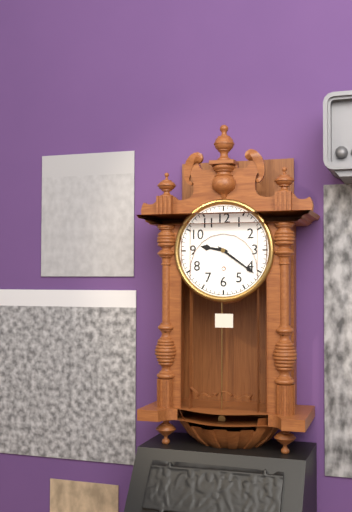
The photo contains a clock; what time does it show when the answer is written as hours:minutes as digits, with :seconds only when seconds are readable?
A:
9:21
